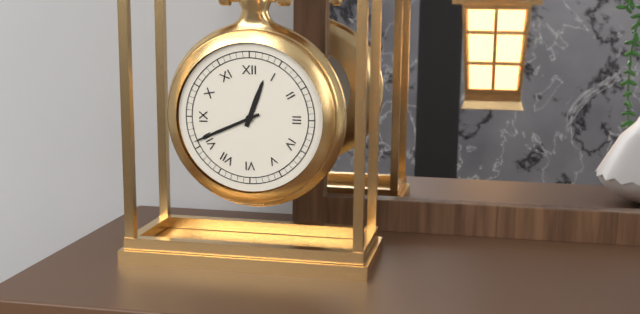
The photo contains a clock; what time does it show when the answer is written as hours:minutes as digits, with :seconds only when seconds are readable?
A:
12:41
